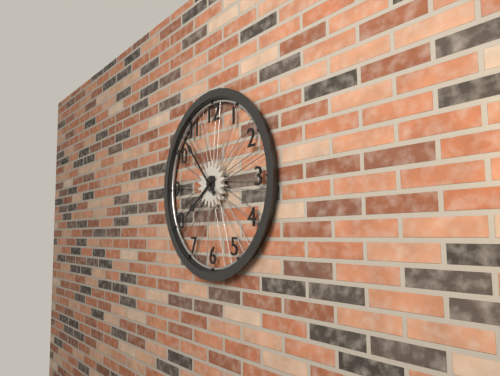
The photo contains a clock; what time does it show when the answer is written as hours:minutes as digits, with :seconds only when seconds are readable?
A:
7:53
